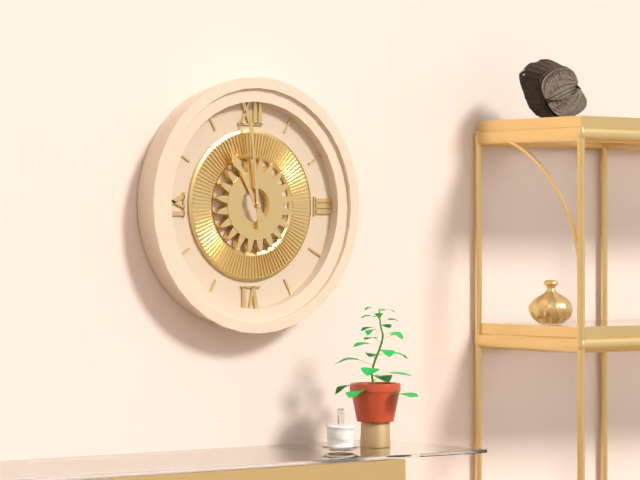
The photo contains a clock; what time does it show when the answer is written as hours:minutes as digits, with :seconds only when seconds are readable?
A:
10:59
